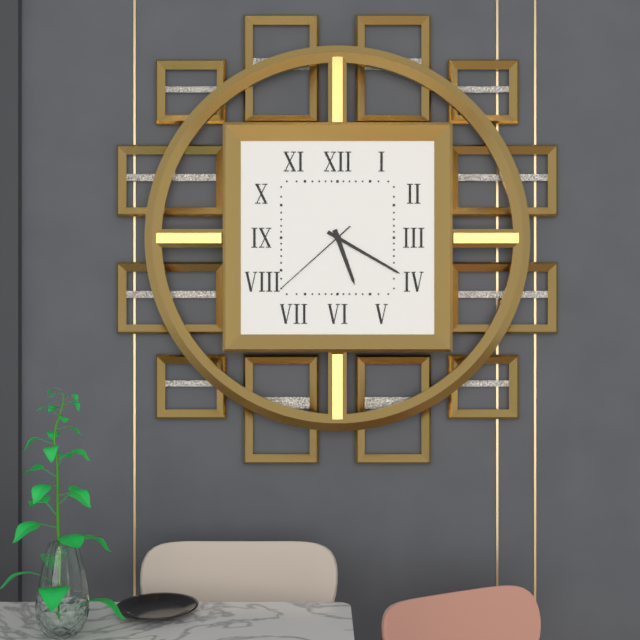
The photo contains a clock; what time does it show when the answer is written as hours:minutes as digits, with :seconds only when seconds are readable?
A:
5:20:38
